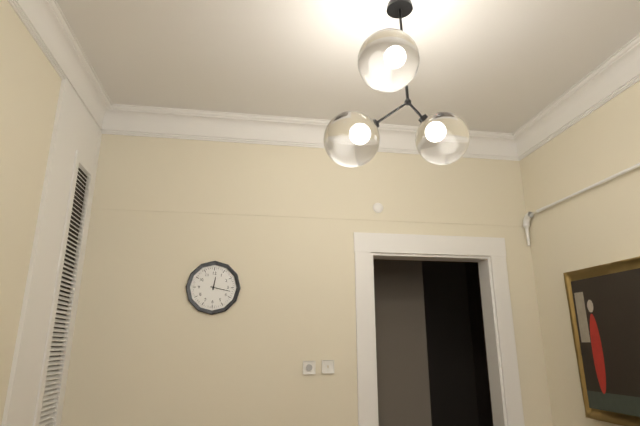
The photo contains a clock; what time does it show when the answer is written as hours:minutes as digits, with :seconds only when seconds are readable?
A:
12:17
